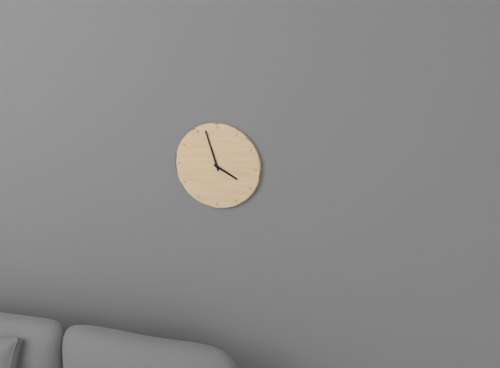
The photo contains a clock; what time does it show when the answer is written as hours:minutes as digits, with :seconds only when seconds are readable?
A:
3:57
